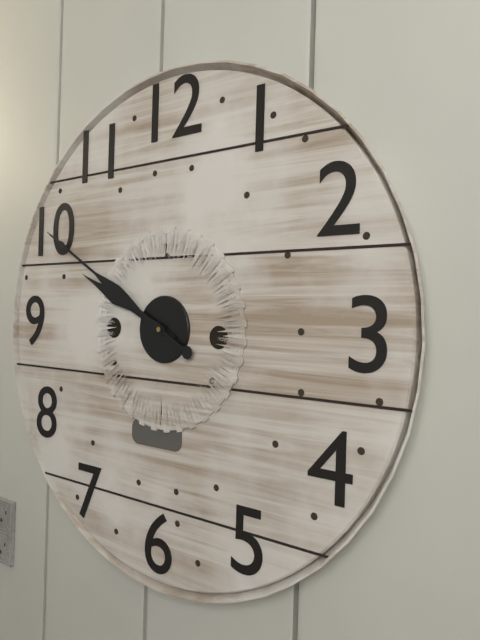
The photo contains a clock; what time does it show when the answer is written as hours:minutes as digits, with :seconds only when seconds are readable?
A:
9:50
